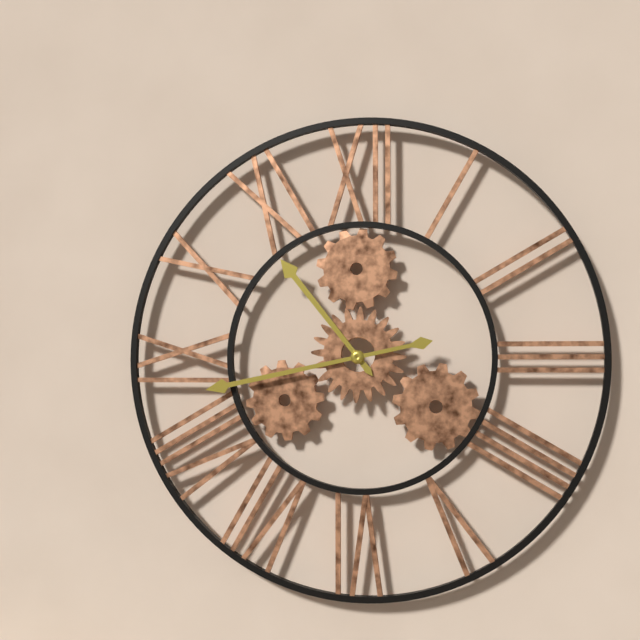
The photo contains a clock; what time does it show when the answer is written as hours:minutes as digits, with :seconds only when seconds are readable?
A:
10:43
